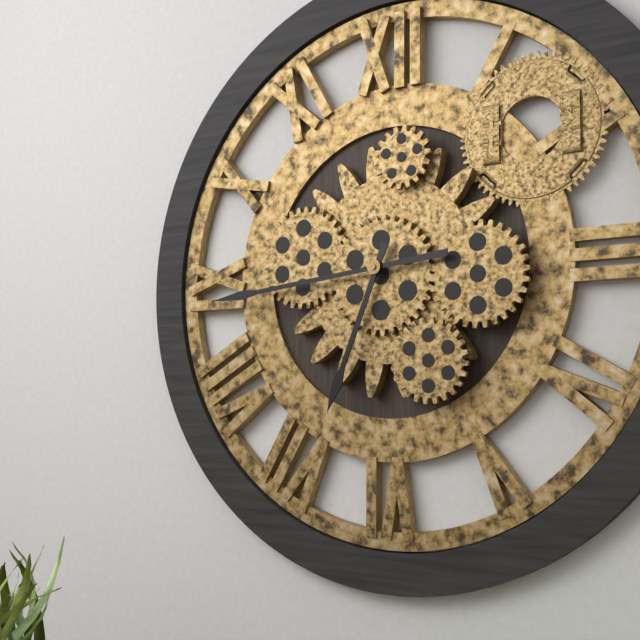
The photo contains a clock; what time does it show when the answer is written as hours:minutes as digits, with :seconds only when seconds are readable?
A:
6:44
